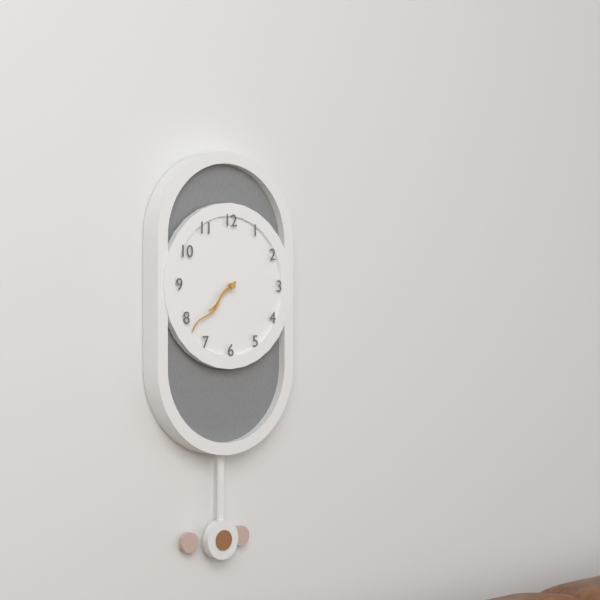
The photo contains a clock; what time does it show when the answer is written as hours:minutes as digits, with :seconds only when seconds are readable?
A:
7:38
